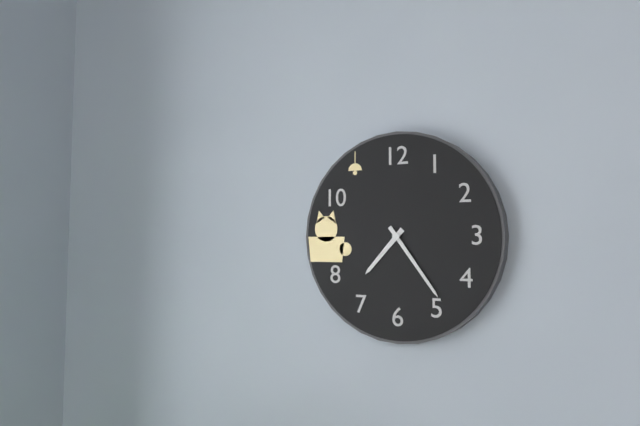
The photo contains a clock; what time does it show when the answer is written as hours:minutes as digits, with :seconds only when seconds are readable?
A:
7:24
